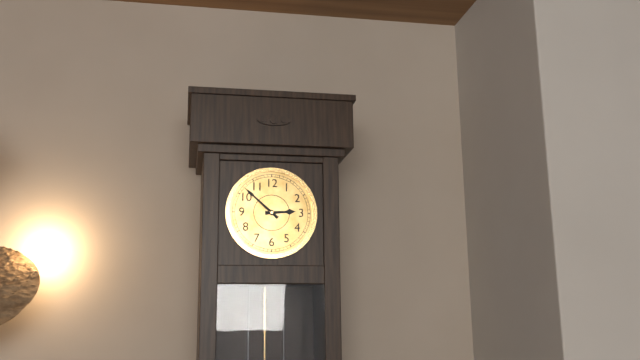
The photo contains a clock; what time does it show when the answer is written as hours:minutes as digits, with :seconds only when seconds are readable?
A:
2:52
